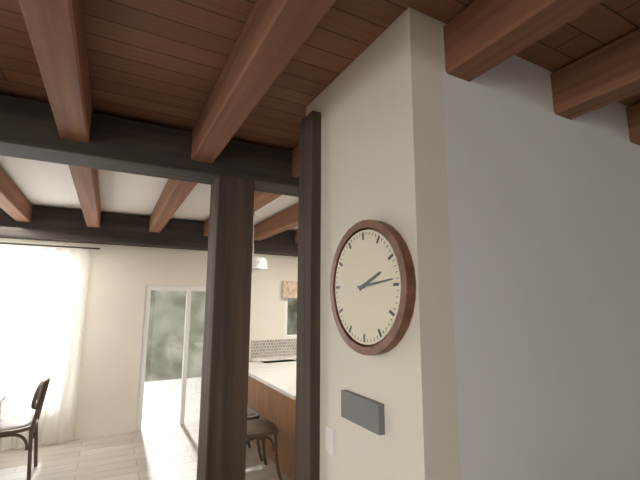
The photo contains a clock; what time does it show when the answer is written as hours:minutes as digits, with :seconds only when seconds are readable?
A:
2:14
